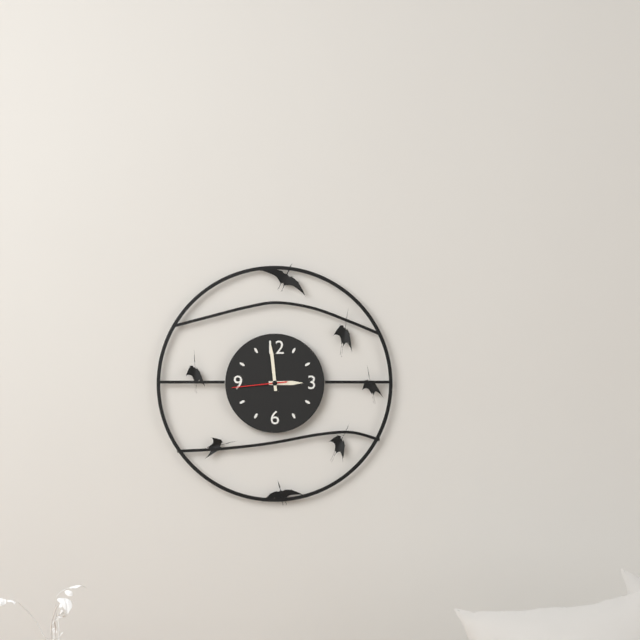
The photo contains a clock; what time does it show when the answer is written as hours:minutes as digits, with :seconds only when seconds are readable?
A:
2:59:44
